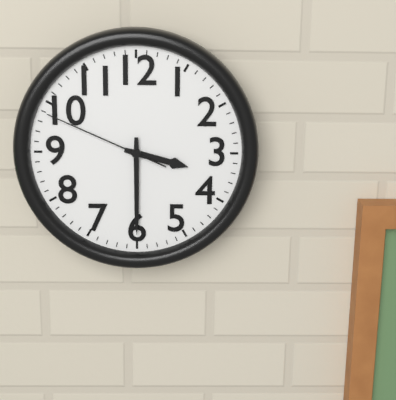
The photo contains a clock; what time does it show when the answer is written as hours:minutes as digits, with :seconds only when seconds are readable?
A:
3:30:49
